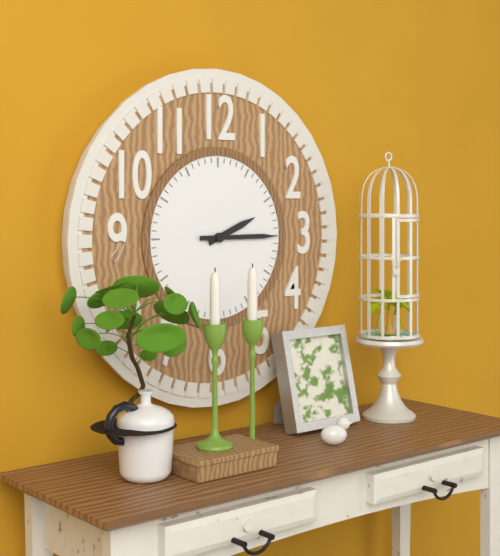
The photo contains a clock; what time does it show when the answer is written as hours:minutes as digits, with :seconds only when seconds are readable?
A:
2:15
